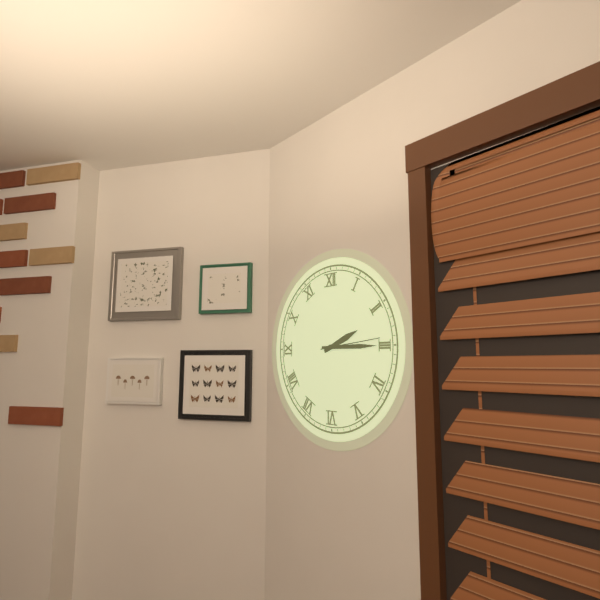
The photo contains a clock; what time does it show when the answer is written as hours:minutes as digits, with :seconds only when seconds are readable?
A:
2:15:14
